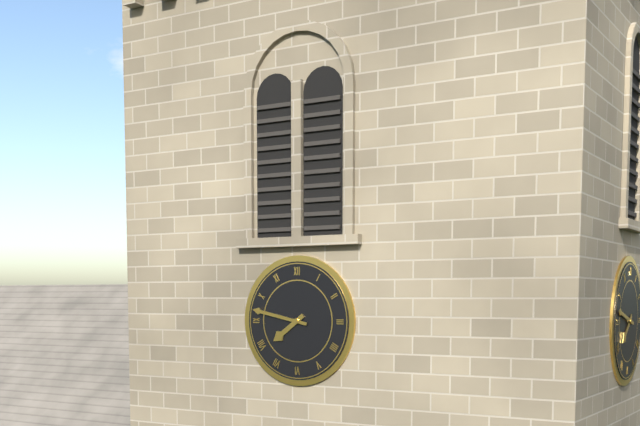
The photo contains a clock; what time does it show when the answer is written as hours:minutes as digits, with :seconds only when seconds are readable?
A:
7:47
